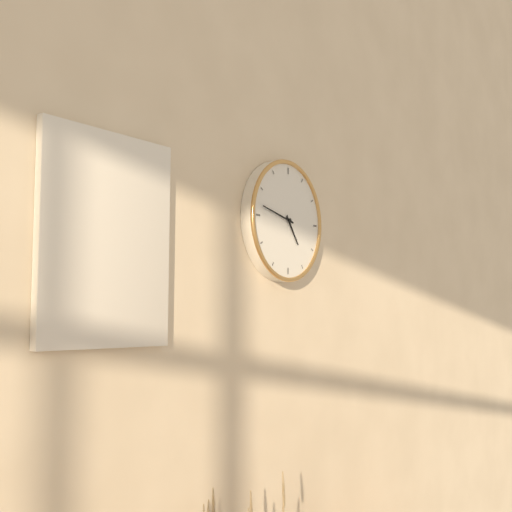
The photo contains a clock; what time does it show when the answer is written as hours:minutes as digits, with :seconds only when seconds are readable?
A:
4:47
